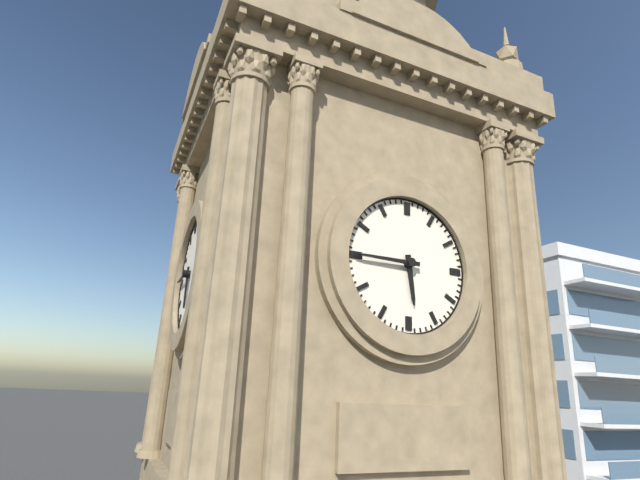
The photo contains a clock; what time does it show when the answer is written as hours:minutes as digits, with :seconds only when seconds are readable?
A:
5:45
